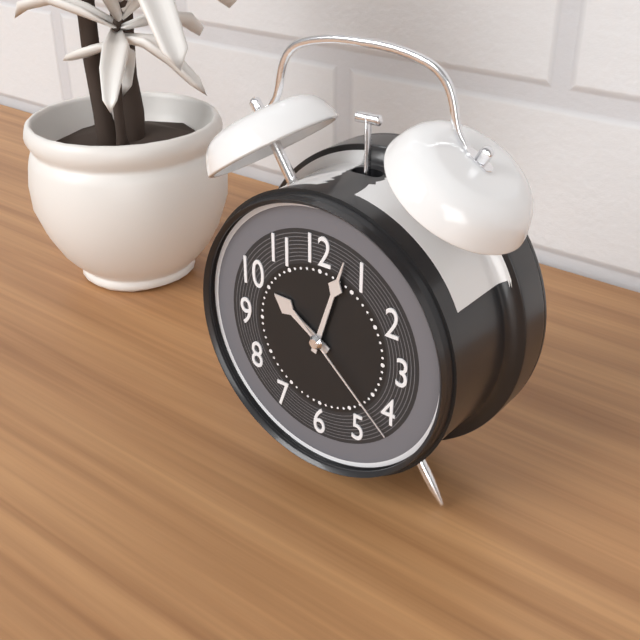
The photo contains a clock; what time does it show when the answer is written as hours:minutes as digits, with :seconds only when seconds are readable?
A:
10:03:22
